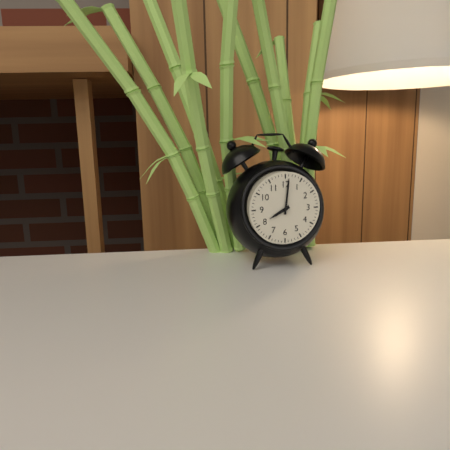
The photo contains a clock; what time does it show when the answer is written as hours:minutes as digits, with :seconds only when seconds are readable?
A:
8:01
